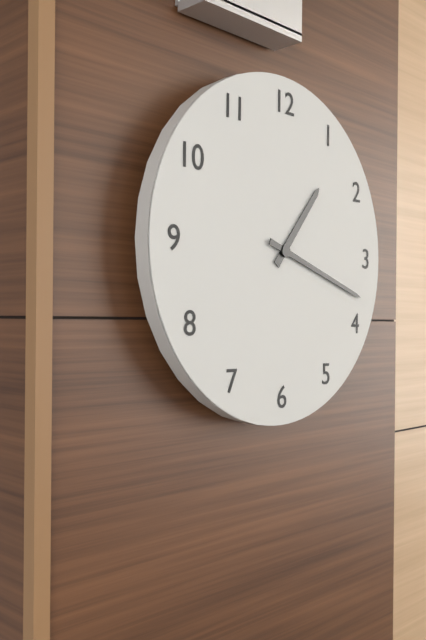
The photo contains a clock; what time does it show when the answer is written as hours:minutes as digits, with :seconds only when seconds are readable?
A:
1:18
